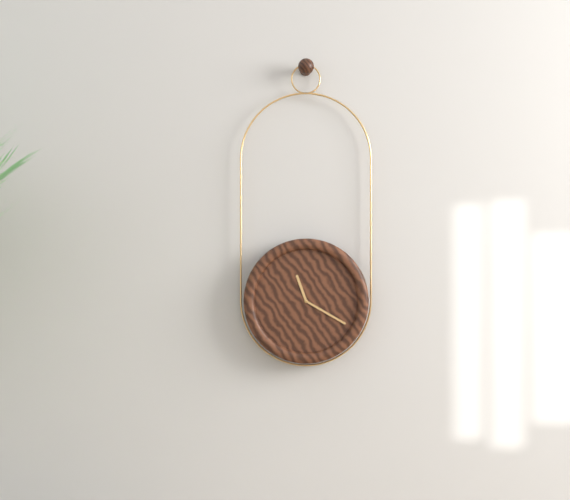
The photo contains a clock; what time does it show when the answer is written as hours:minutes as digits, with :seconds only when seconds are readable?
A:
11:20
